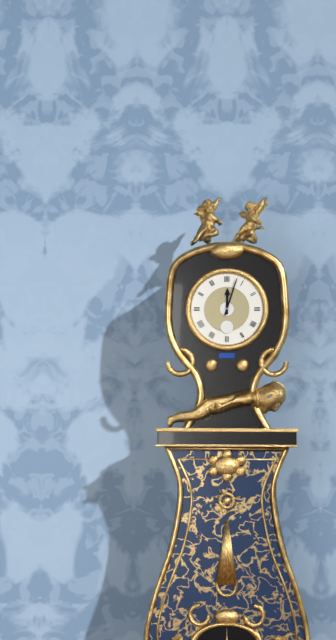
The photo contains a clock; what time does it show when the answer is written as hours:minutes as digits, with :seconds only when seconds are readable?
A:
12:03
